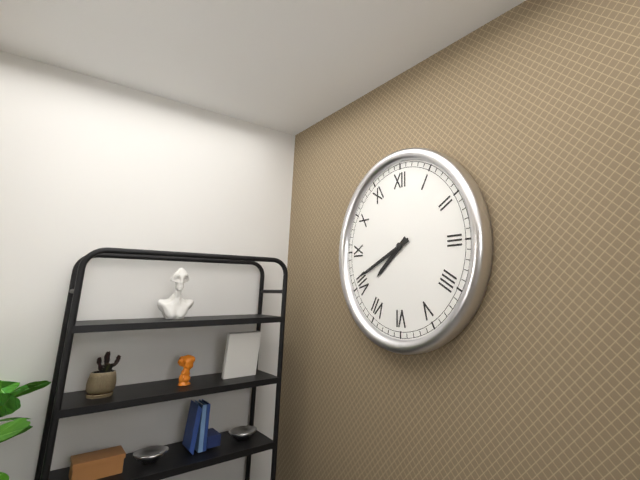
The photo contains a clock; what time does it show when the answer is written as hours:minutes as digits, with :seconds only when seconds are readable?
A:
7:41
